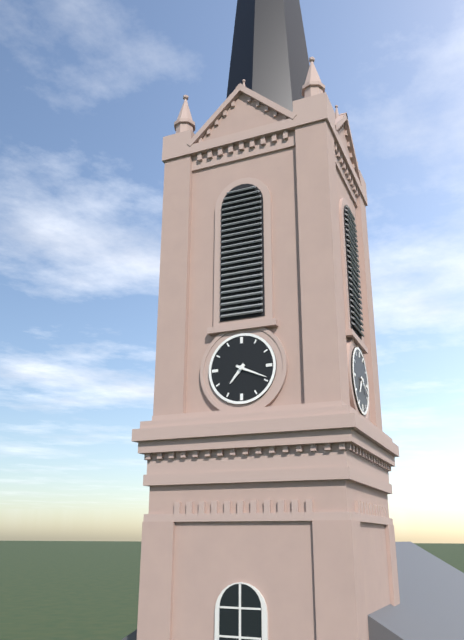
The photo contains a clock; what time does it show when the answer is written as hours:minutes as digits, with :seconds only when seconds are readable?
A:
7:19
